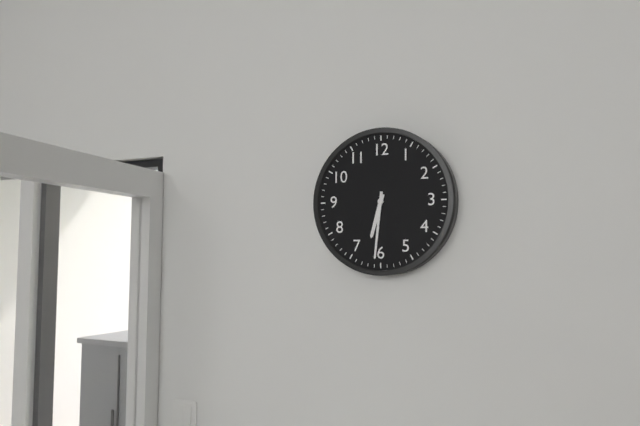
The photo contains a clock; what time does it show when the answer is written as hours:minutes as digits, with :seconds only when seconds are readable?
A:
6:31
